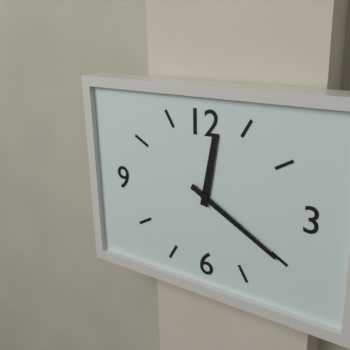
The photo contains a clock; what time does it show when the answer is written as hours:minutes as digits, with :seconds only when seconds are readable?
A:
12:20
